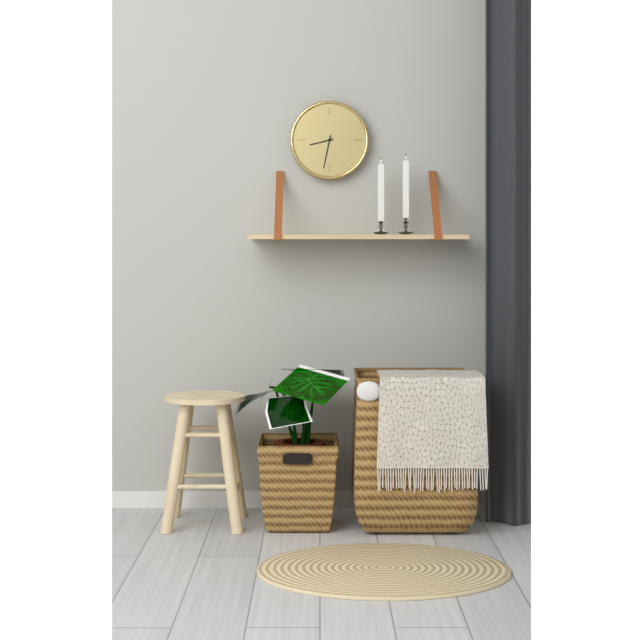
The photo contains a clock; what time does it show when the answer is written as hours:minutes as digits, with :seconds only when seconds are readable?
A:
8:32
